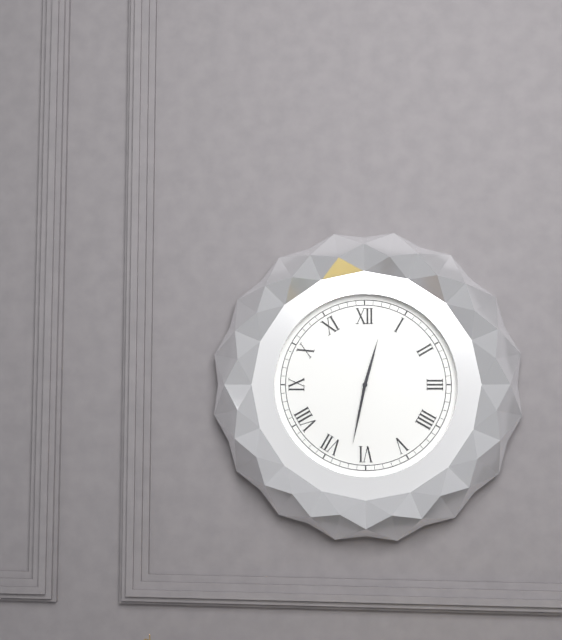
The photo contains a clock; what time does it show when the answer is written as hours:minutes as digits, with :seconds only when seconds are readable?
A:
12:32
